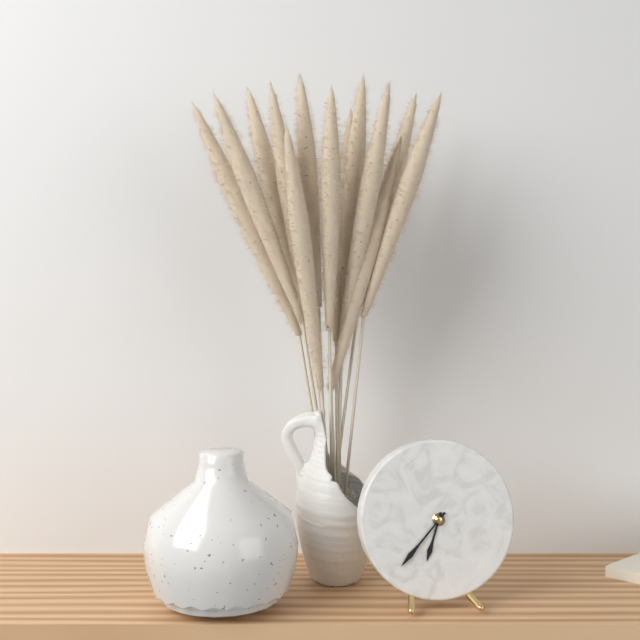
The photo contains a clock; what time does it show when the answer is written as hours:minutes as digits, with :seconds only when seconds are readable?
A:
6:37
